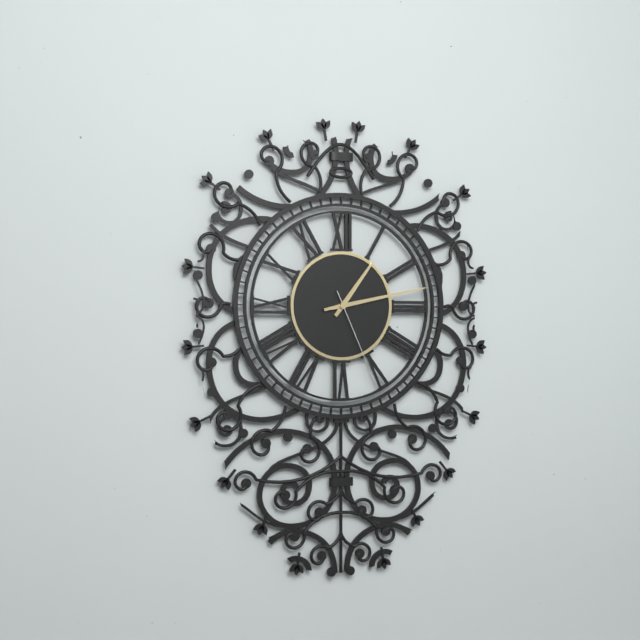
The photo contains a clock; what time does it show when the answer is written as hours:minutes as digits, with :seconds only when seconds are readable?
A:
1:13:26
